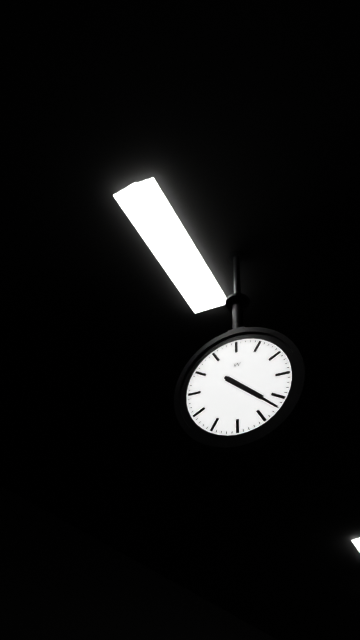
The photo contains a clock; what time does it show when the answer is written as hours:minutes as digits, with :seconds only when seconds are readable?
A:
4:22
